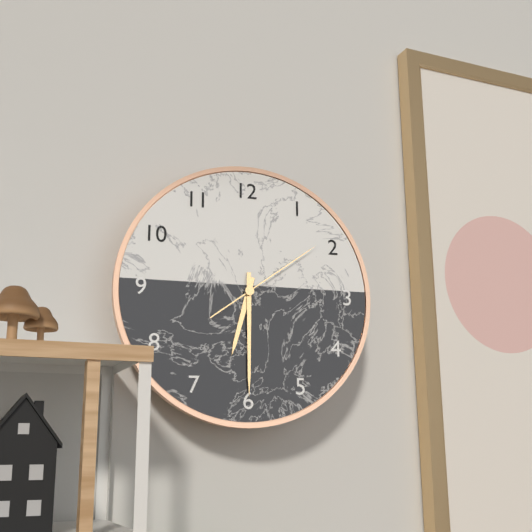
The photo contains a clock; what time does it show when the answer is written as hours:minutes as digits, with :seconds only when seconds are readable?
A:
6:30:09
